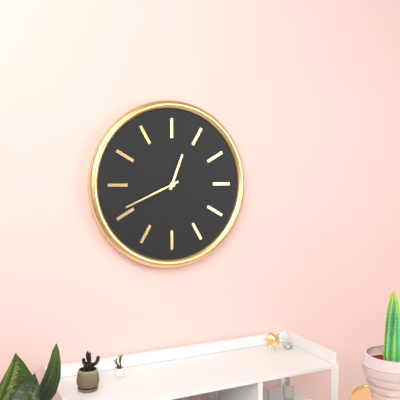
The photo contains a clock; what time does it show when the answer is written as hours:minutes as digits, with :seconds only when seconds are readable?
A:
12:41
